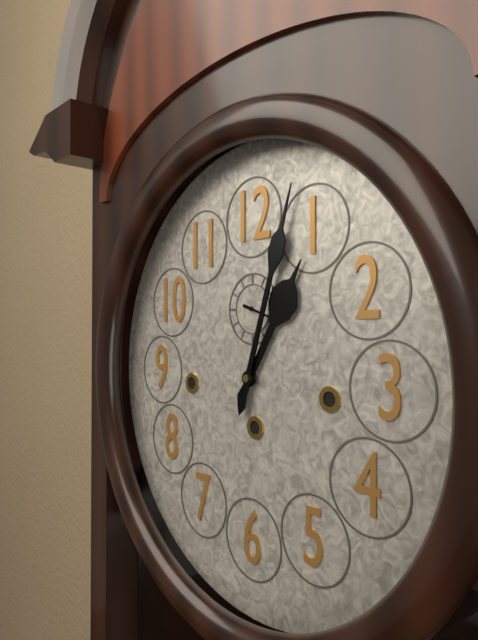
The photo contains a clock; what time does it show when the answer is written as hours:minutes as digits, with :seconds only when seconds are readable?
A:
1:03:18
